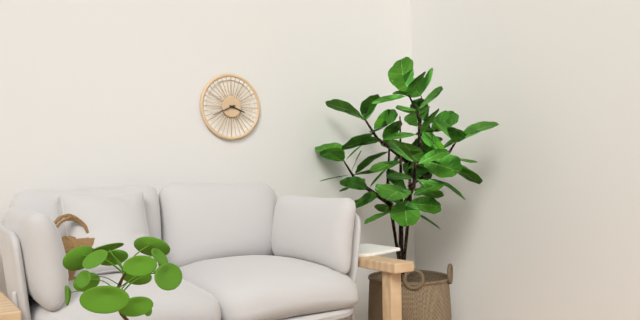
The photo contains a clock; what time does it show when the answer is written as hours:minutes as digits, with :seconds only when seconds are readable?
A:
3:41
